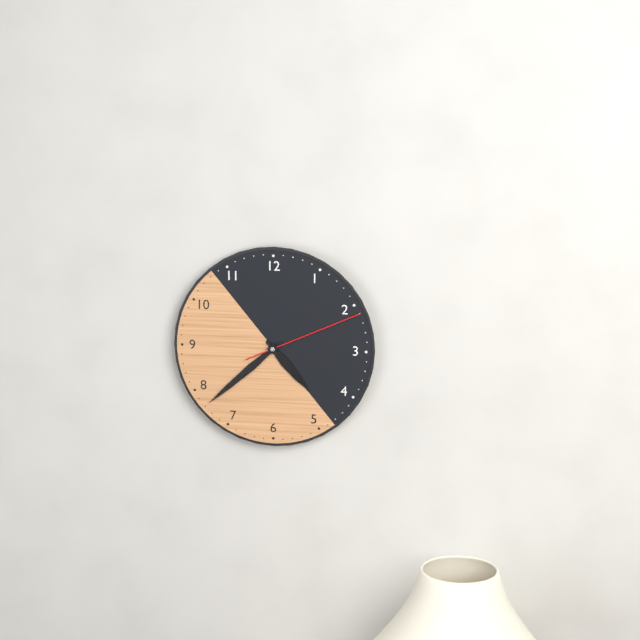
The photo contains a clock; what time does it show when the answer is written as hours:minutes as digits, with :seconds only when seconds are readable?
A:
4:38:11
